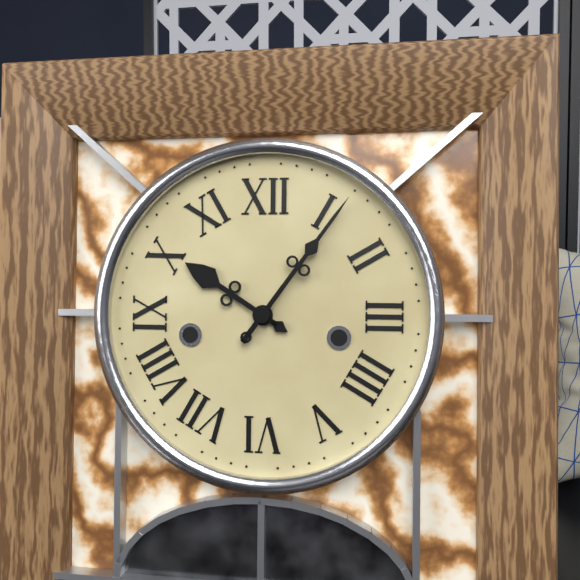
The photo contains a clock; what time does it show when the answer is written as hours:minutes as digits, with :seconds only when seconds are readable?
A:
10:06
